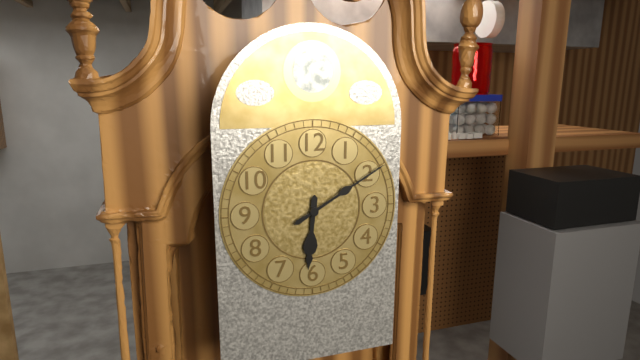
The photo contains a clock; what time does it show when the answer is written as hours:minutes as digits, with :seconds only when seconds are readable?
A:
6:10
